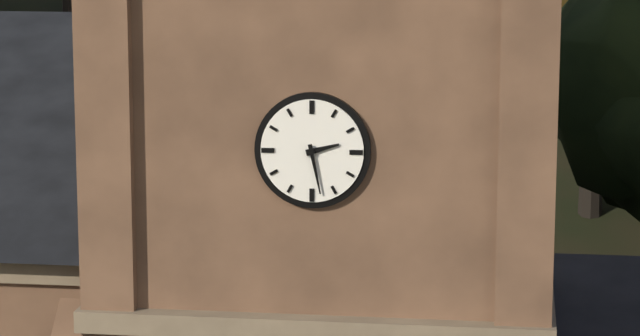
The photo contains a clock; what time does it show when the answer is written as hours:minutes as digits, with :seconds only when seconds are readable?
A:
2:28
